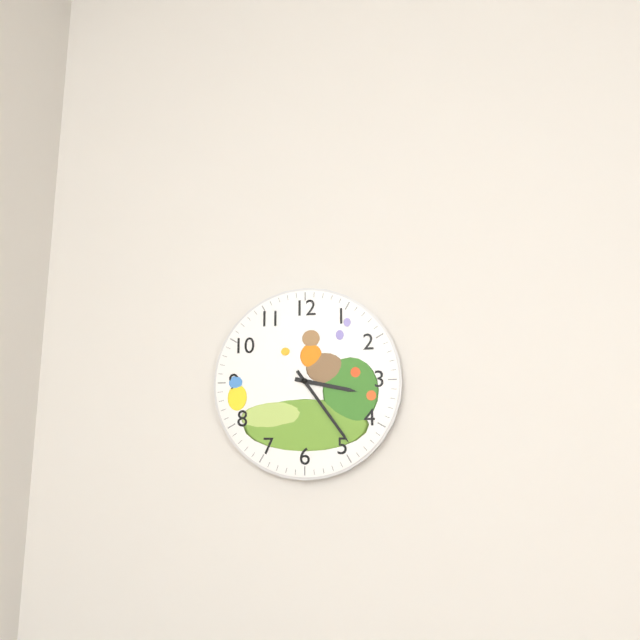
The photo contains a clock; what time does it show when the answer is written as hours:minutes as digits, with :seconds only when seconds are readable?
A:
3:24
